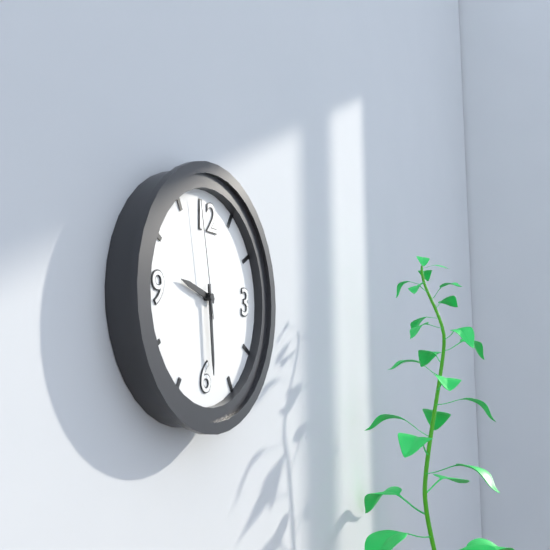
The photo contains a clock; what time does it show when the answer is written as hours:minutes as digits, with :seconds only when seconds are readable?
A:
9:29:58
